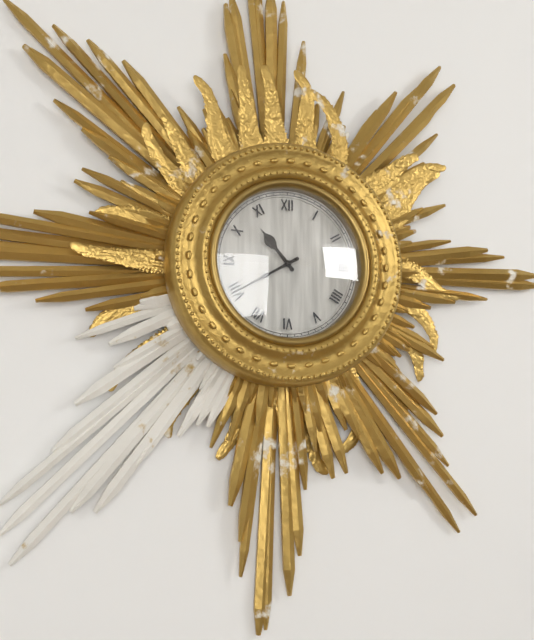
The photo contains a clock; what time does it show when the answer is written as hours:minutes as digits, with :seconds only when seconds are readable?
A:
10:40
